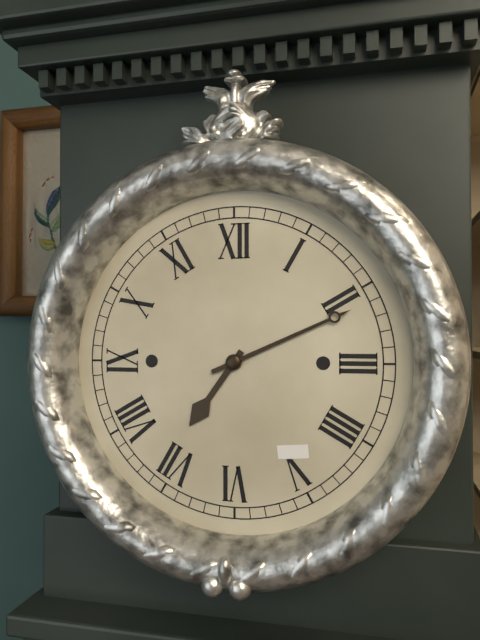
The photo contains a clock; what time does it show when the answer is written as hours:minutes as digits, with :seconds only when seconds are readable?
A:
7:11
